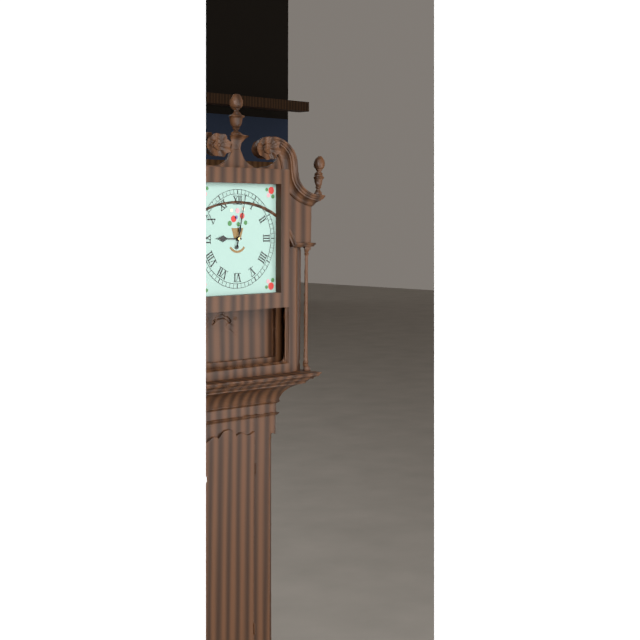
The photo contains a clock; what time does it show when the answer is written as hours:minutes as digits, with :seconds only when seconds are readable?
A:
9:02
